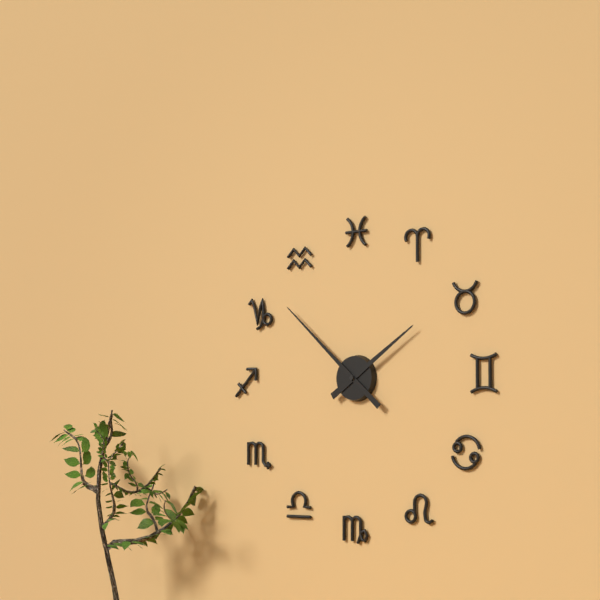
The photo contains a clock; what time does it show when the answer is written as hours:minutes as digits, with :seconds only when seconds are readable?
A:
1:52
